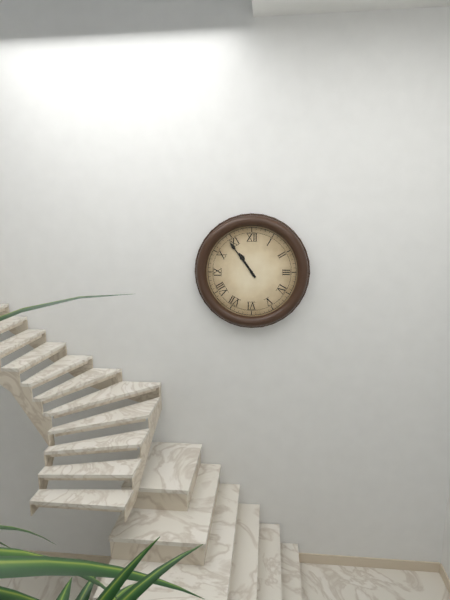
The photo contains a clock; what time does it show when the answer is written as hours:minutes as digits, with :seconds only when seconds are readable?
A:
10:54
